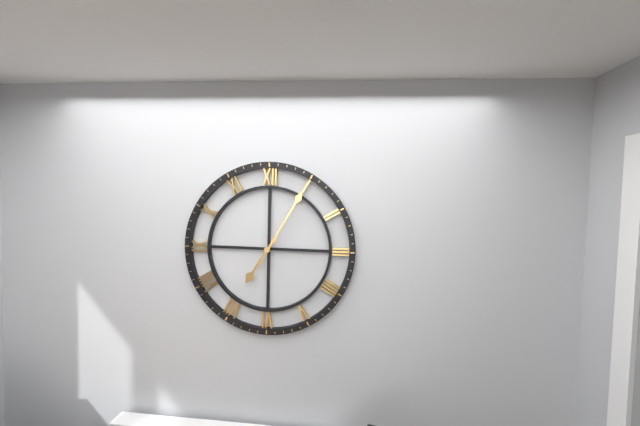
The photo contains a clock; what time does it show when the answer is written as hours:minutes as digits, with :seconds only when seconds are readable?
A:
7:05
